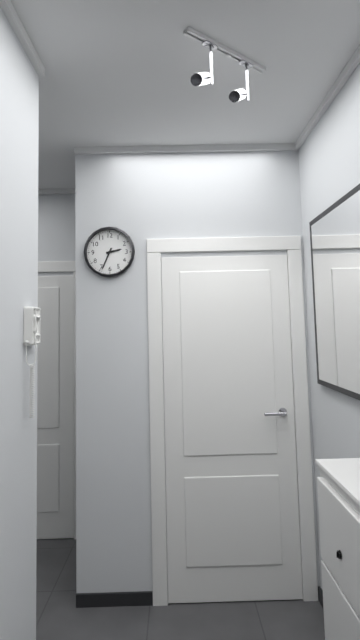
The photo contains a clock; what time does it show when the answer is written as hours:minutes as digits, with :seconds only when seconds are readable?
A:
2:34
